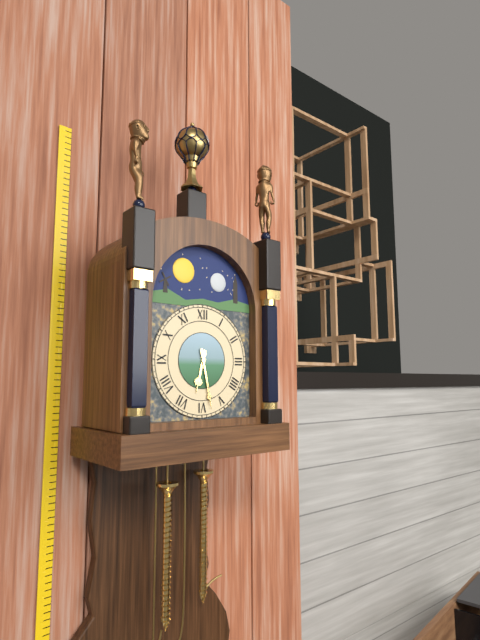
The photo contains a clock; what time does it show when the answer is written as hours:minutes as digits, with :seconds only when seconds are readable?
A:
6:28
